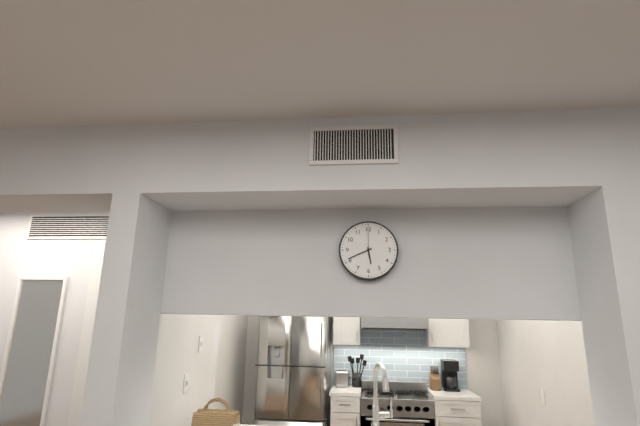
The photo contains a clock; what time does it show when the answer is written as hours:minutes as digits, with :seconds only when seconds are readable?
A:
5:41
